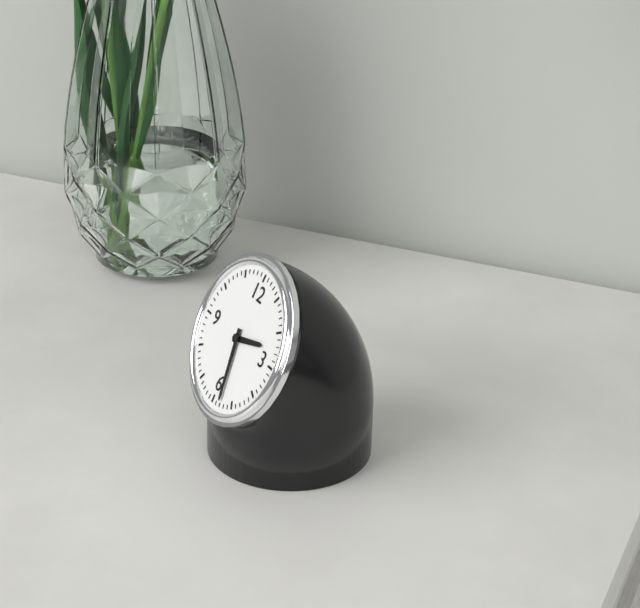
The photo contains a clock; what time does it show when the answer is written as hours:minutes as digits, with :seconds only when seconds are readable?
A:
2:28
